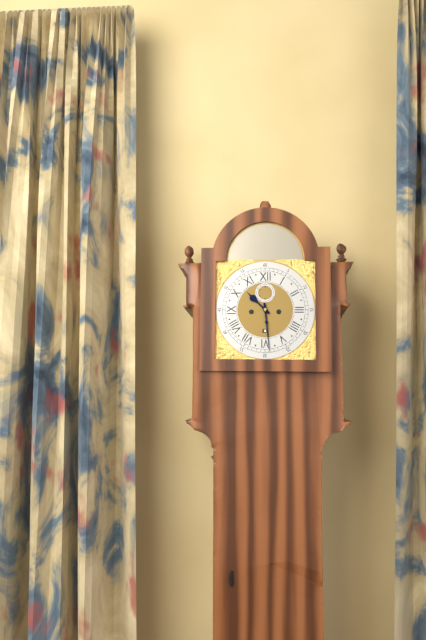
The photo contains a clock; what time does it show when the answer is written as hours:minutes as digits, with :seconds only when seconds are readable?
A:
10:29
